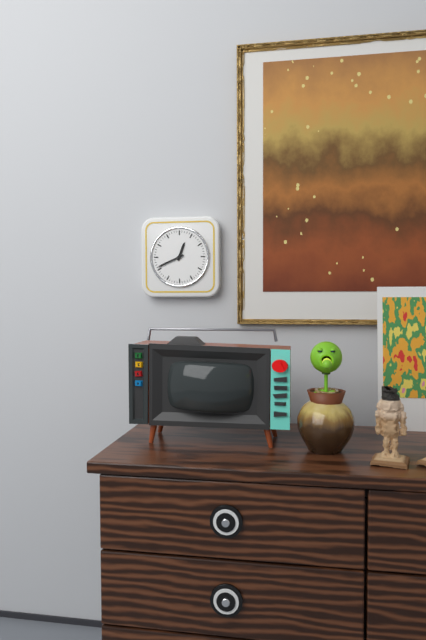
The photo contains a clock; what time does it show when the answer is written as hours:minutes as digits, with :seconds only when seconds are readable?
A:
12:41
